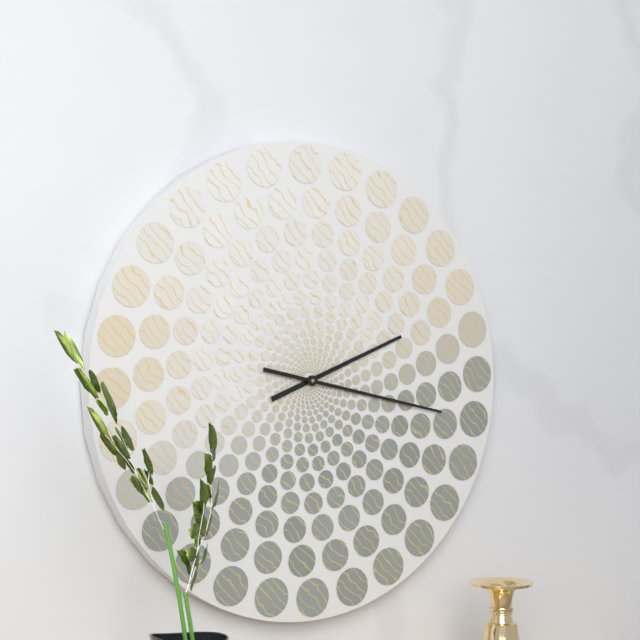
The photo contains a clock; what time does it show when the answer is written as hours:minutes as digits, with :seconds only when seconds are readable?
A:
2:17
